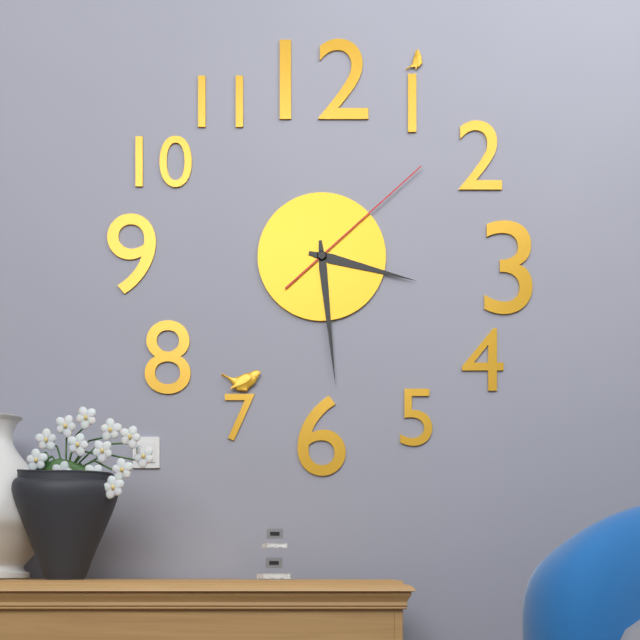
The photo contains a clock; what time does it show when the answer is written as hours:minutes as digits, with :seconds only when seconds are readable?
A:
3:29:08
